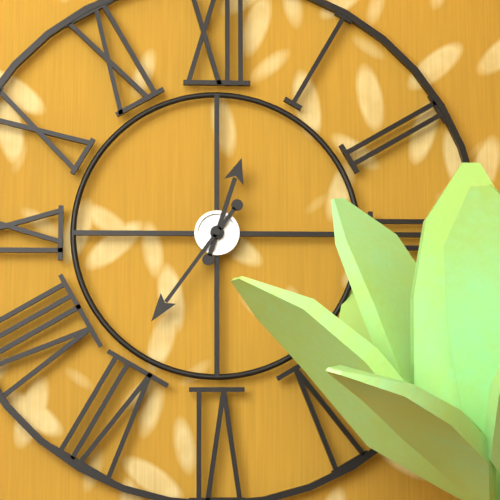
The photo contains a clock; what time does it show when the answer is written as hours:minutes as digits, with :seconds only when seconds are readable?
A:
12:36
